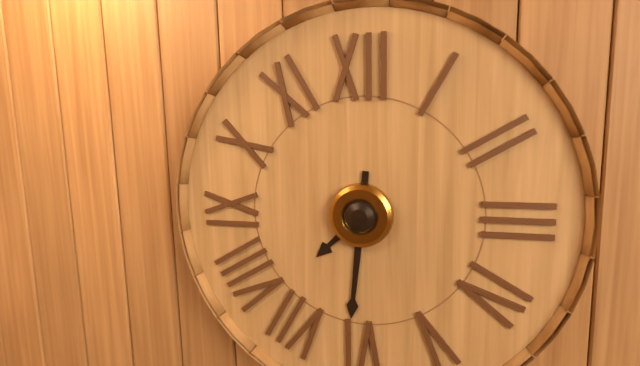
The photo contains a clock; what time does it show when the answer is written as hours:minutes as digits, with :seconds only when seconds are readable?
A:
7:31
